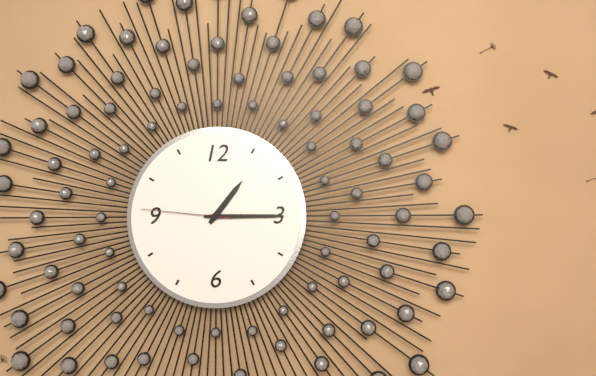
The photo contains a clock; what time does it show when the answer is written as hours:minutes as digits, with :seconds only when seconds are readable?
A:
1:15:46
